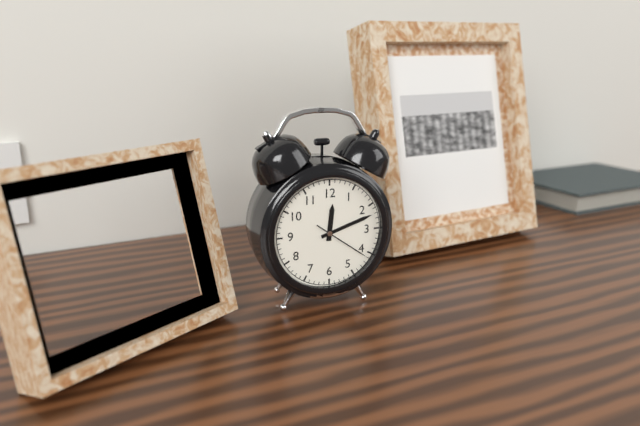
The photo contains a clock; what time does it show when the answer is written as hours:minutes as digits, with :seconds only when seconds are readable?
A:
12:12:21
